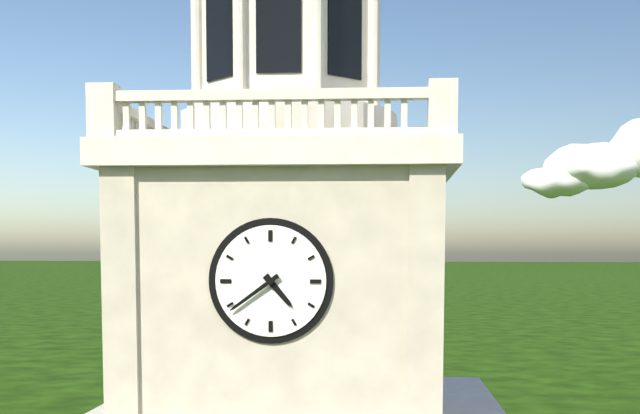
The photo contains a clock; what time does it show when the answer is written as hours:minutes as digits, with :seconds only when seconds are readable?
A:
4:39
